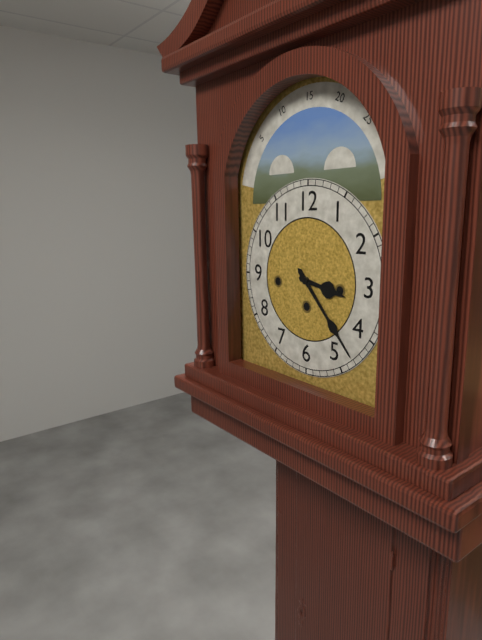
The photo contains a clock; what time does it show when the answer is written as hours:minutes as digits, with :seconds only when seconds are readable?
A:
3:23
